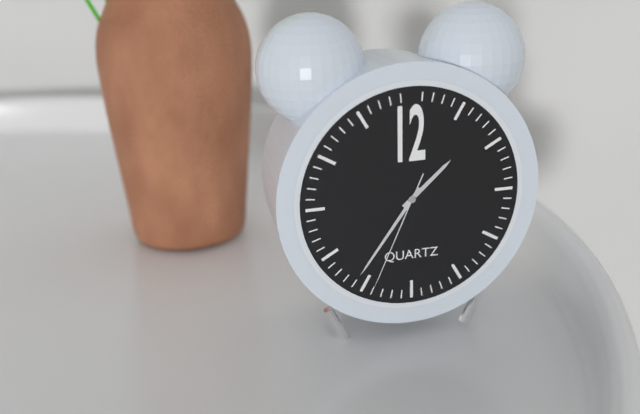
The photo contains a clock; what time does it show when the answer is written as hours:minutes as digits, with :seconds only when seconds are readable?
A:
1:36:34
